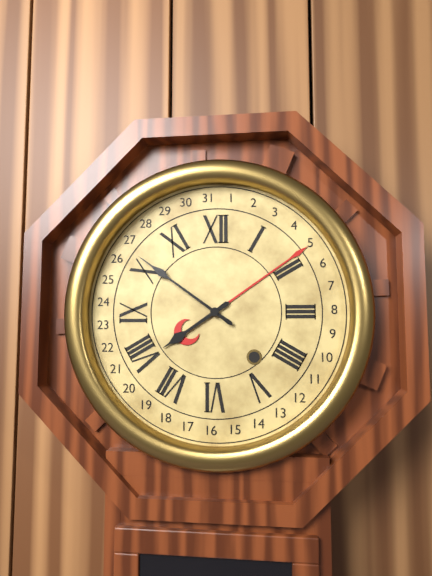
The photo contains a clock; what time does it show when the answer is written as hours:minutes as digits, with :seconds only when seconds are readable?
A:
7:51
